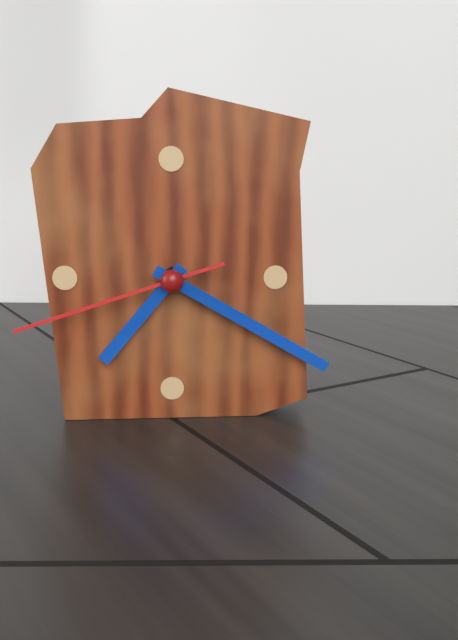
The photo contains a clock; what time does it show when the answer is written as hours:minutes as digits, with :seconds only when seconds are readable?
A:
7:20:42
